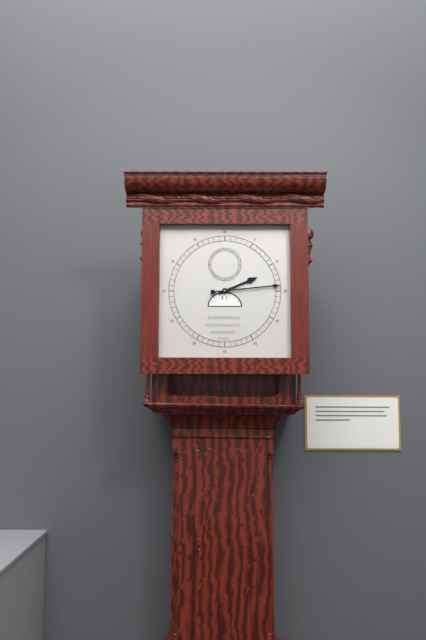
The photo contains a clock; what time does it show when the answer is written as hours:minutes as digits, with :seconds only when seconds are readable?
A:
2:14
